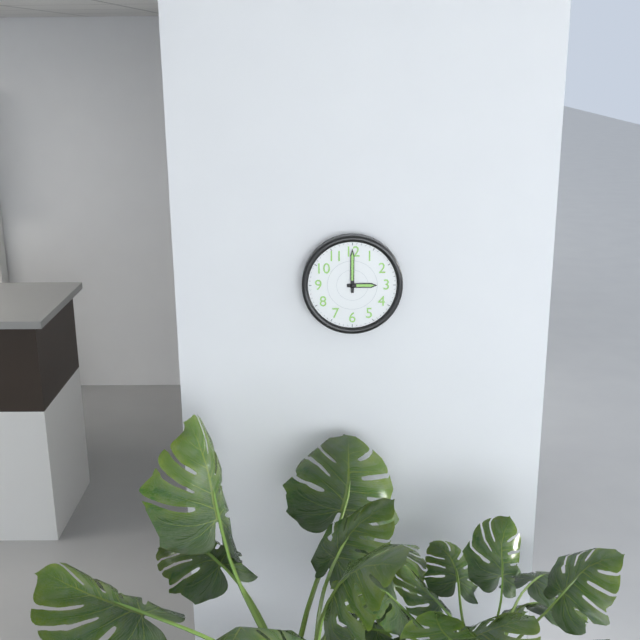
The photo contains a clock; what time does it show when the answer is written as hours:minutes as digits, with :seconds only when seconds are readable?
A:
3:00
